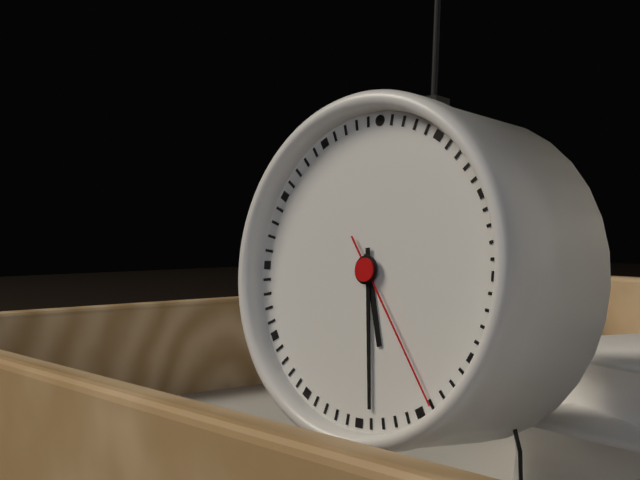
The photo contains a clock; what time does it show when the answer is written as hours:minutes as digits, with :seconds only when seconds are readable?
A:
5:29:24
